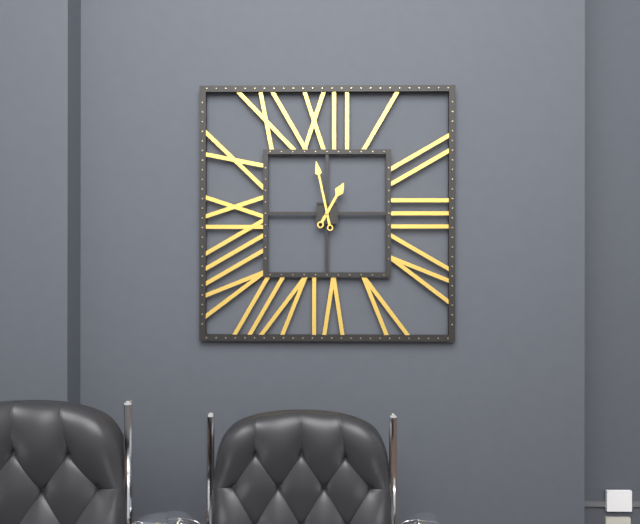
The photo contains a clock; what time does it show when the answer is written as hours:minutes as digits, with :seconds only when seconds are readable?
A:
12:58
